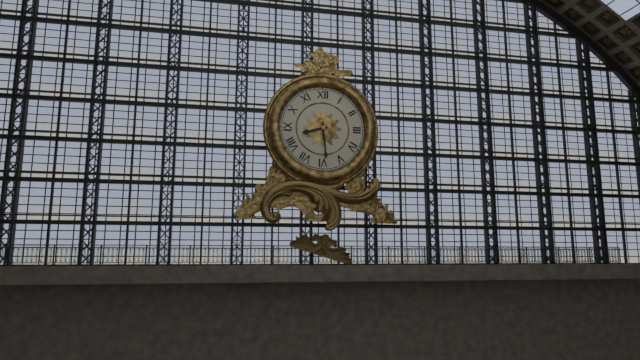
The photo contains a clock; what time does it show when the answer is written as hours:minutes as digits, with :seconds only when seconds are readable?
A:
8:29
